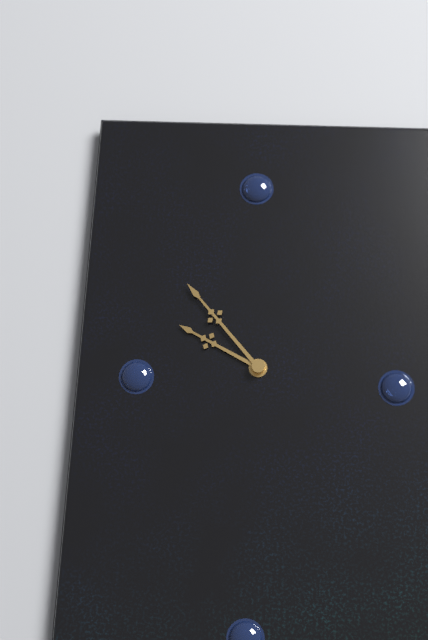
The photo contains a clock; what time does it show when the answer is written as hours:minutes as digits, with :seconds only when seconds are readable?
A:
9:53
